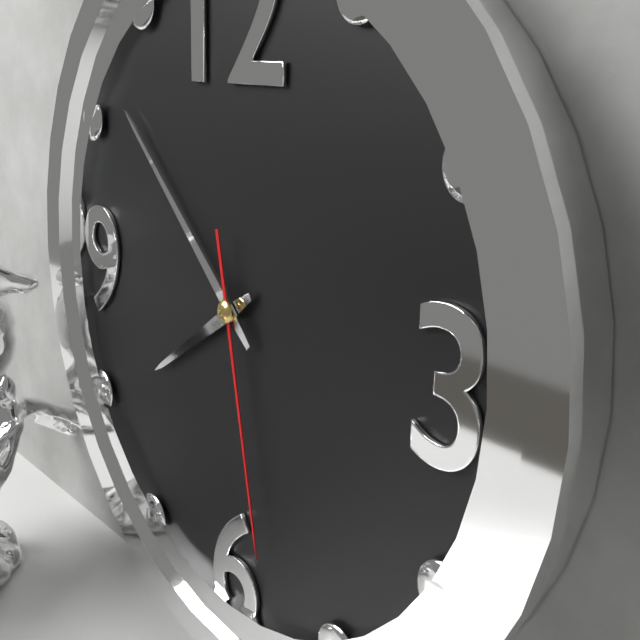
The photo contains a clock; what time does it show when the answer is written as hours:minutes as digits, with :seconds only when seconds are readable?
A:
7:52:28
